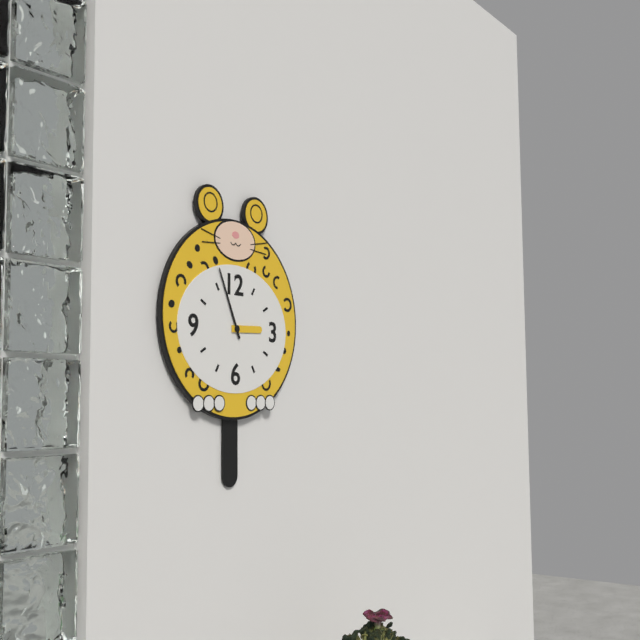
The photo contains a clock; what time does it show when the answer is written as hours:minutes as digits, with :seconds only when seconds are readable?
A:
2:56
